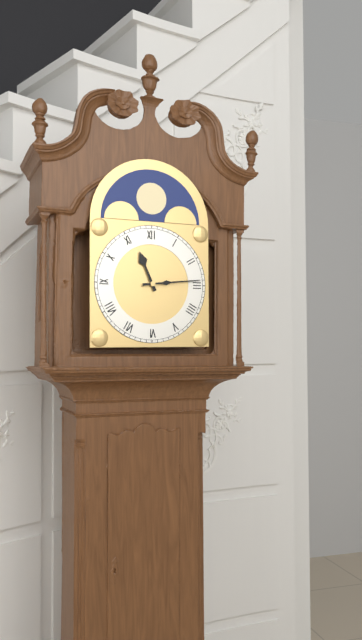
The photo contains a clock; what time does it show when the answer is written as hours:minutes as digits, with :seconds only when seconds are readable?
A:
11:14
